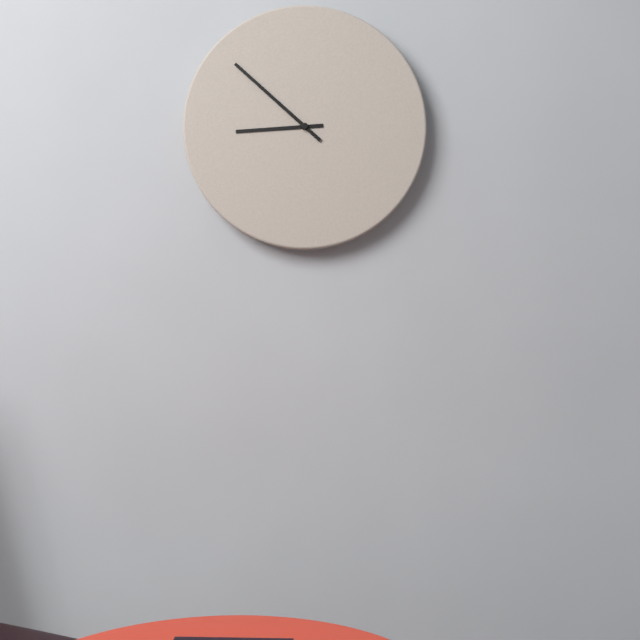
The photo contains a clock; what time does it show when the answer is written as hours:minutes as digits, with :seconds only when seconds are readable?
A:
8:52
